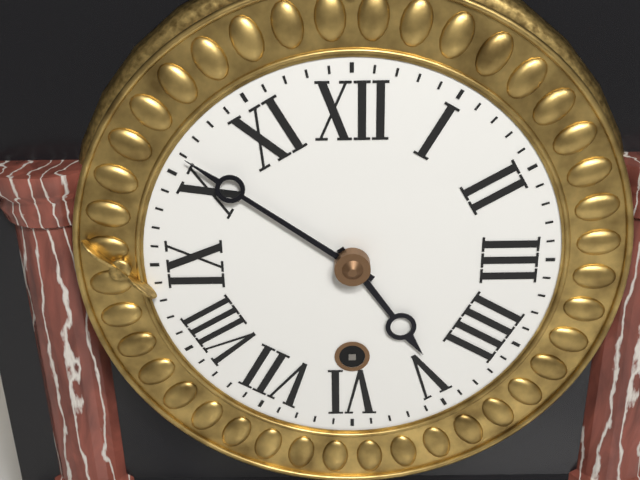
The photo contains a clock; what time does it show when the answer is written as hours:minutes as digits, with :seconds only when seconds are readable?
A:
4:51
